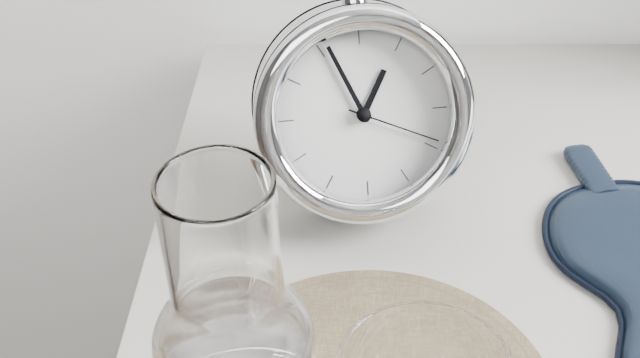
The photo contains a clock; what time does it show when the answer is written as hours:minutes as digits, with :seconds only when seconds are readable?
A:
12:56:19
